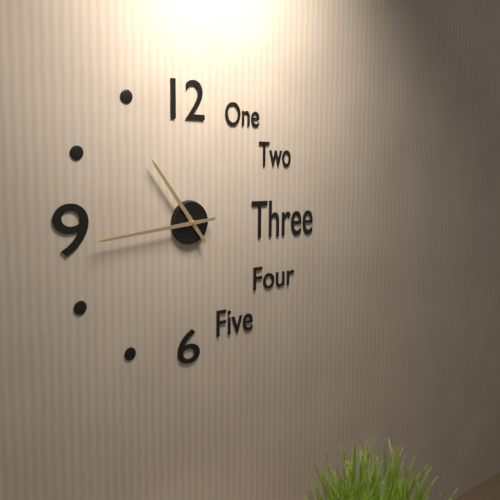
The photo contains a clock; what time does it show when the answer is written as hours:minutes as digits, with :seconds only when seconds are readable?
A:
10:44
